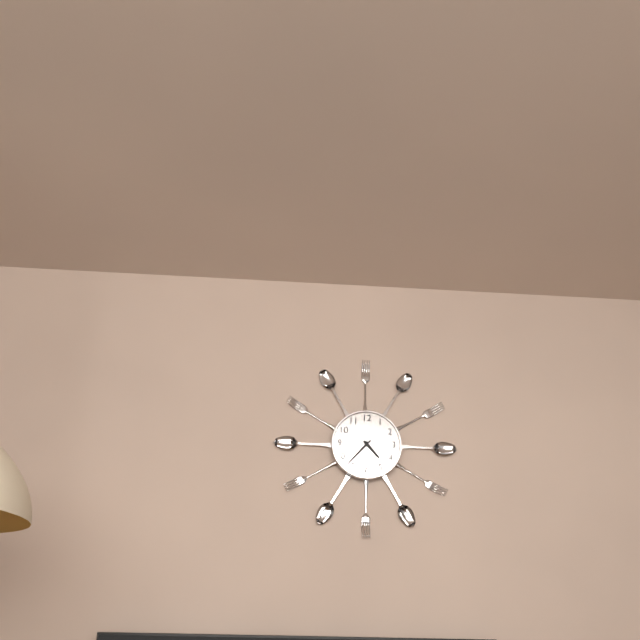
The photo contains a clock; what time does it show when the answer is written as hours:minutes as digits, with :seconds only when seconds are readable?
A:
4:37
